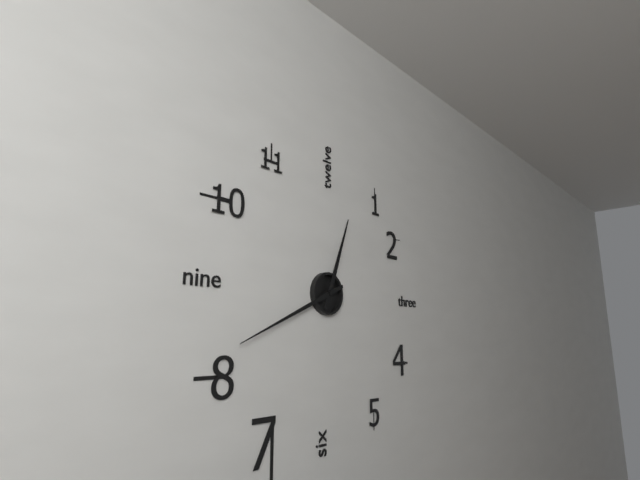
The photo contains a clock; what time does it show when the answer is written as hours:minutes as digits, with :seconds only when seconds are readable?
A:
12:41
